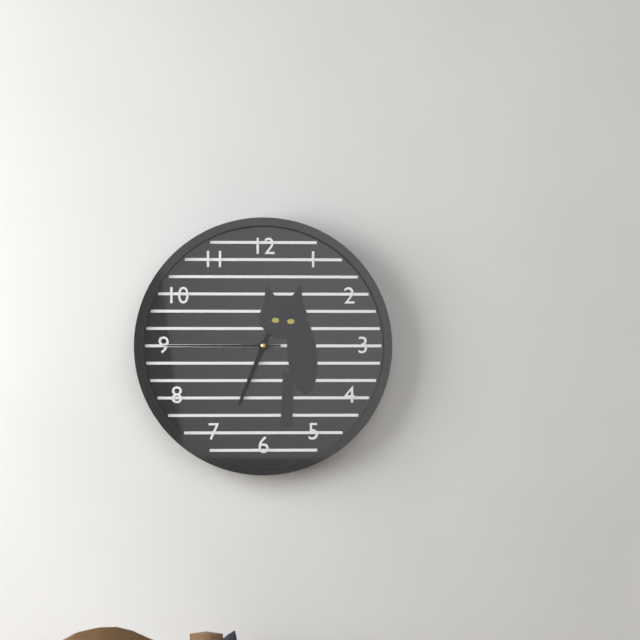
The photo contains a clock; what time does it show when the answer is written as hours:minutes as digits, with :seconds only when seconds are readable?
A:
6:45
